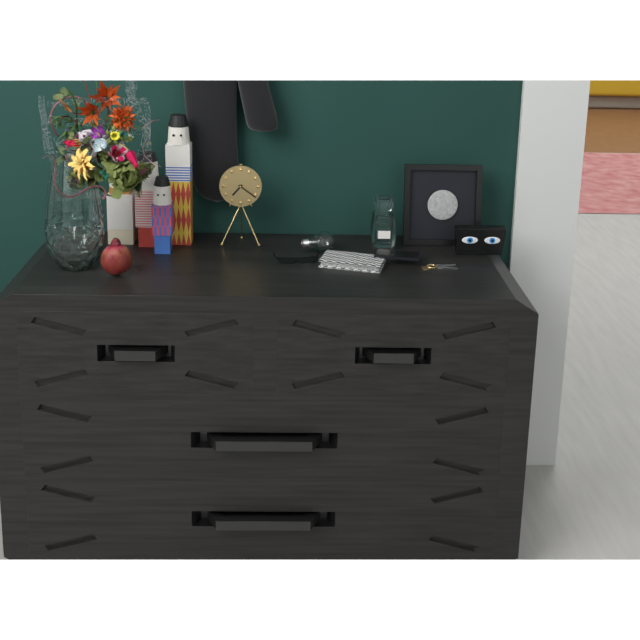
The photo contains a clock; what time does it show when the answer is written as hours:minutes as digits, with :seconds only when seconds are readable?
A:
7:21
